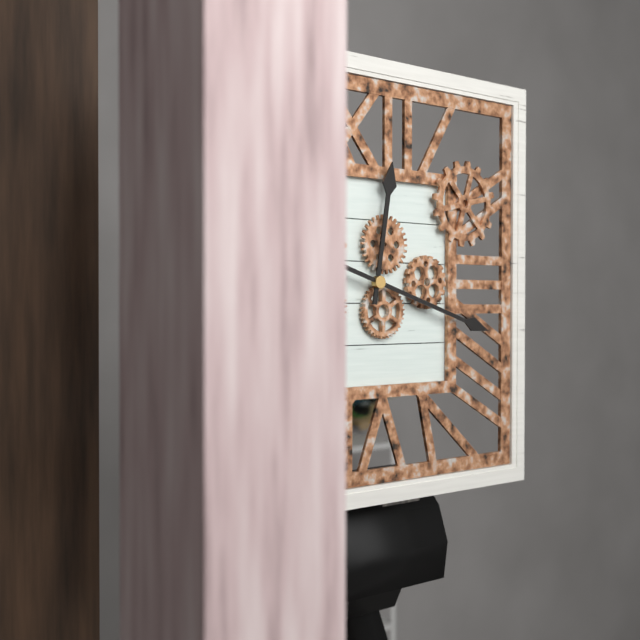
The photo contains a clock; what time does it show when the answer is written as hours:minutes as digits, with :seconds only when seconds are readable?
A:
12:18
